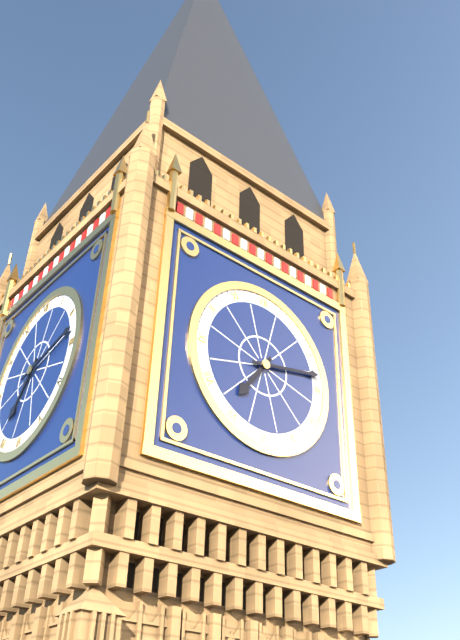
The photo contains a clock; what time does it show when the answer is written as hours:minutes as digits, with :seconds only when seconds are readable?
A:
7:13
